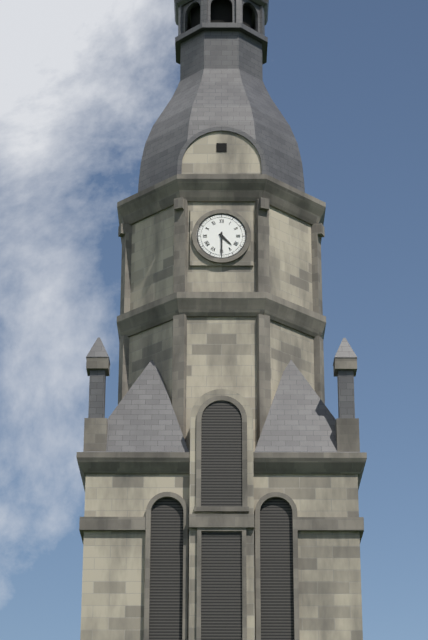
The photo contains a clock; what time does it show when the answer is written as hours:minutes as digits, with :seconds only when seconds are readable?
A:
4:30
